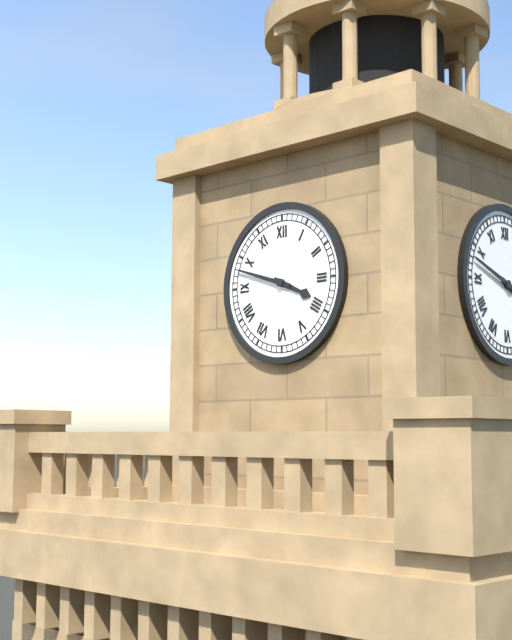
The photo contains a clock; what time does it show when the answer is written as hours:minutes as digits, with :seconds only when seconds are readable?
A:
3:48
